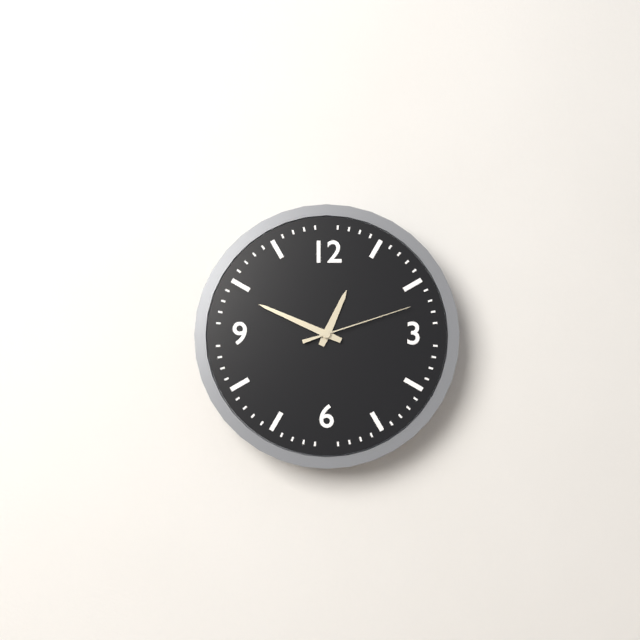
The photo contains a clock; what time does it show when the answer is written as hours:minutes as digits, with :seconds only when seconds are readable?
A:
12:49:12
